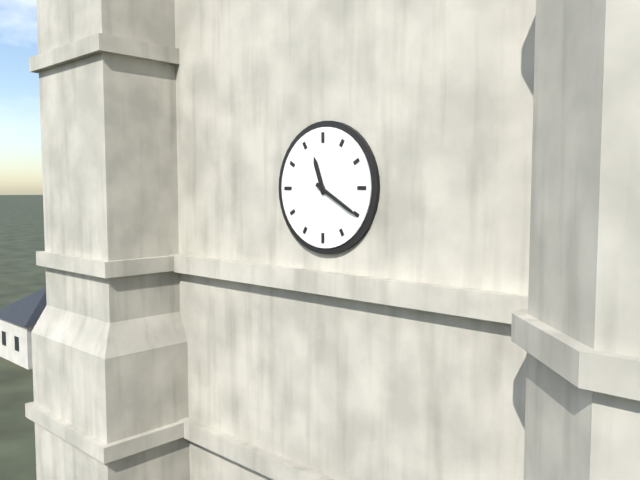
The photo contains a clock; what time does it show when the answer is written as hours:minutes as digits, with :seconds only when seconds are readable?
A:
11:20
